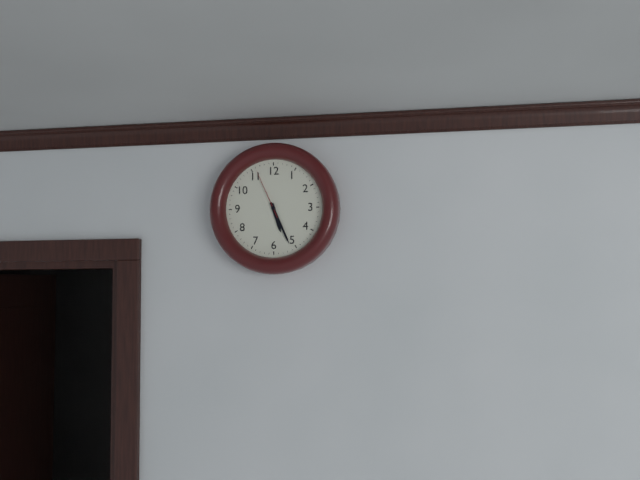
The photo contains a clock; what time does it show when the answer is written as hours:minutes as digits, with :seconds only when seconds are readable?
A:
5:26:56
